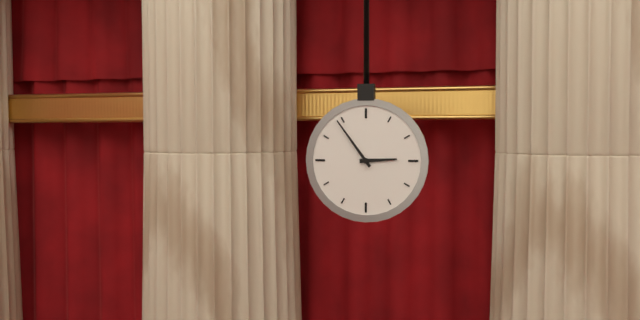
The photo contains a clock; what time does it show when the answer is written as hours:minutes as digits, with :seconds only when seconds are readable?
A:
2:54
